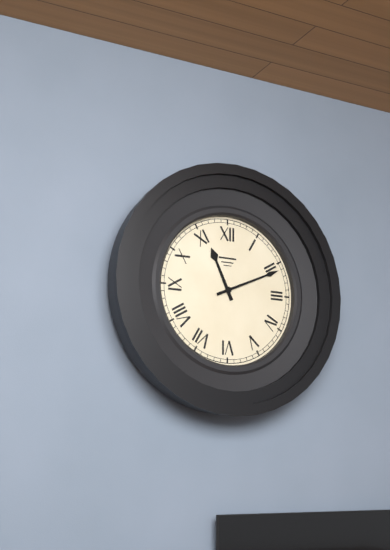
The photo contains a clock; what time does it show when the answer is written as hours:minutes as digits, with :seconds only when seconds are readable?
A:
11:11
